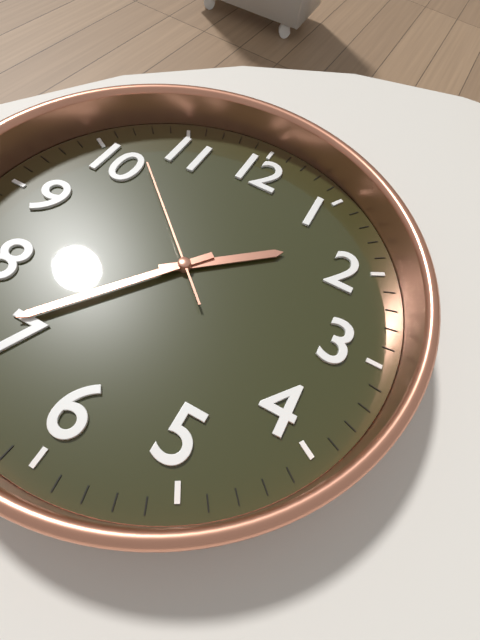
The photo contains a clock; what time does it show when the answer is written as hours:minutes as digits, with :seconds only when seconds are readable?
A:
1:36:52
